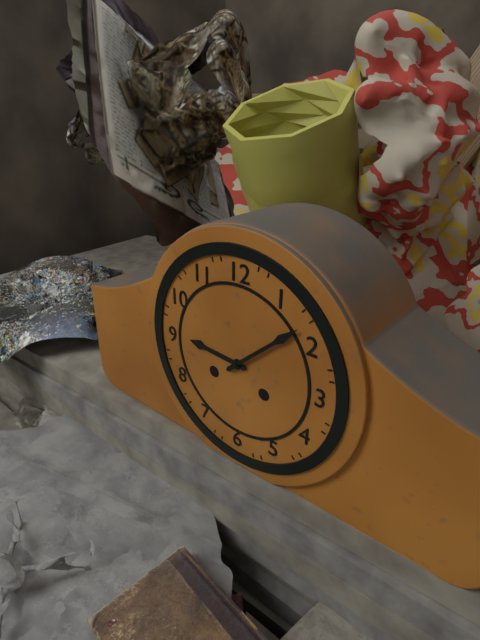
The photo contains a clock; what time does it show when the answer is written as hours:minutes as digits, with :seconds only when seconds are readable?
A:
9:08
